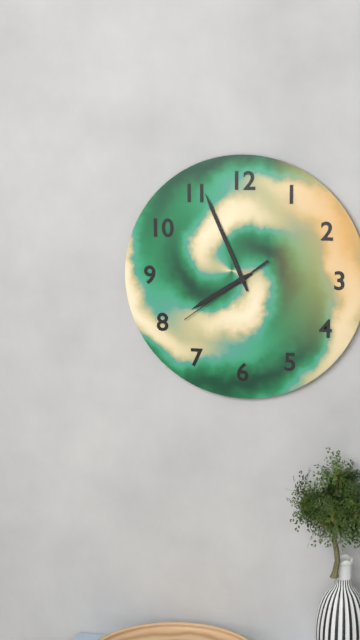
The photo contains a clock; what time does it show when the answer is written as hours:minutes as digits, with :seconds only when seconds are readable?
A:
7:56:39
